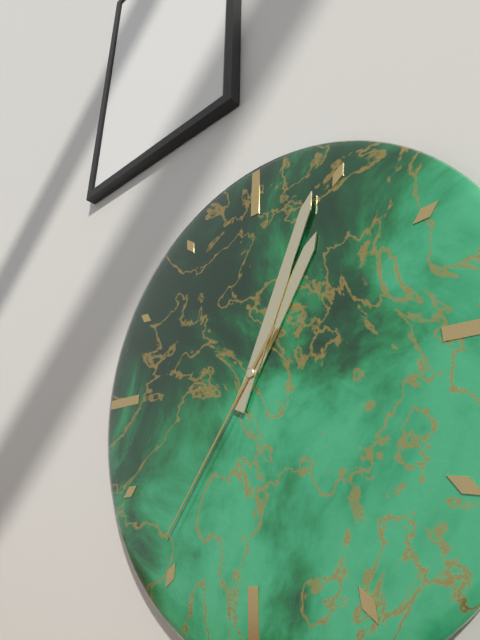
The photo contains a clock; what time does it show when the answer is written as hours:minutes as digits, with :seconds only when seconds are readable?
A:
1:04:36
